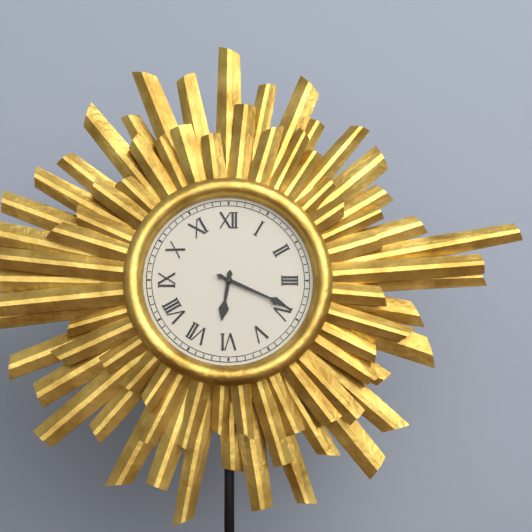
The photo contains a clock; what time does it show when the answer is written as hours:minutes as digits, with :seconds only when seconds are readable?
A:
6:19
